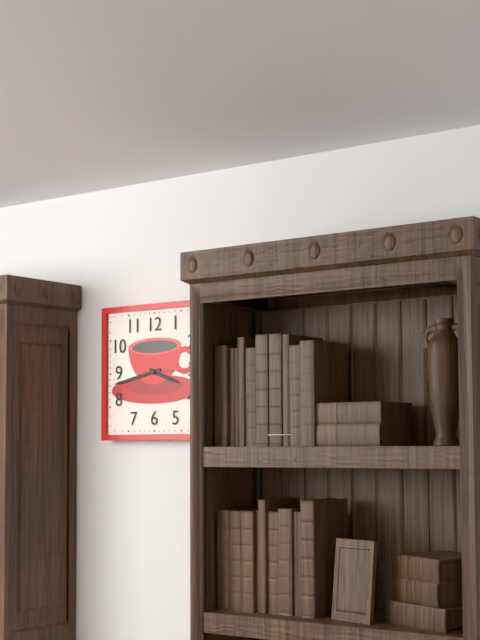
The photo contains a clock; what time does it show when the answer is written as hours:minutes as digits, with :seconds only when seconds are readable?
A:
3:43:15
